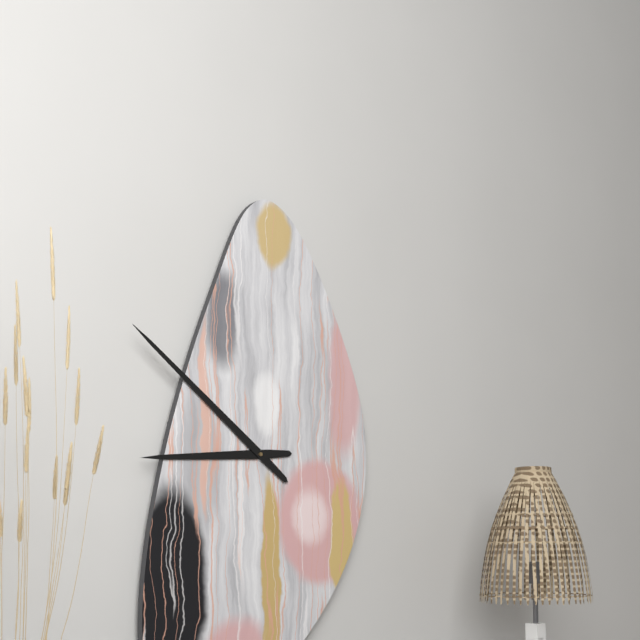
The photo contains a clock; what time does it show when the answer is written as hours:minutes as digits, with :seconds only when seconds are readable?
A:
8:51
